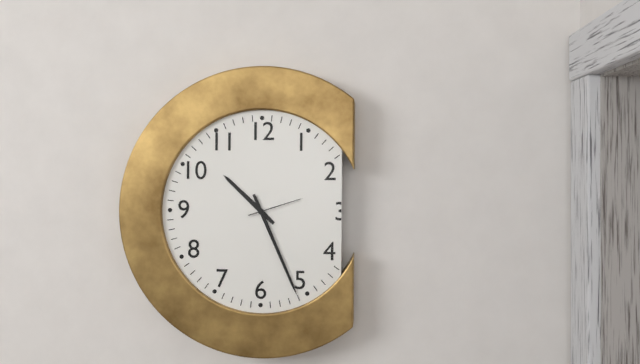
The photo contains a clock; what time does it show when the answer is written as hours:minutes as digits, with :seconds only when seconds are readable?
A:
10:26:12
